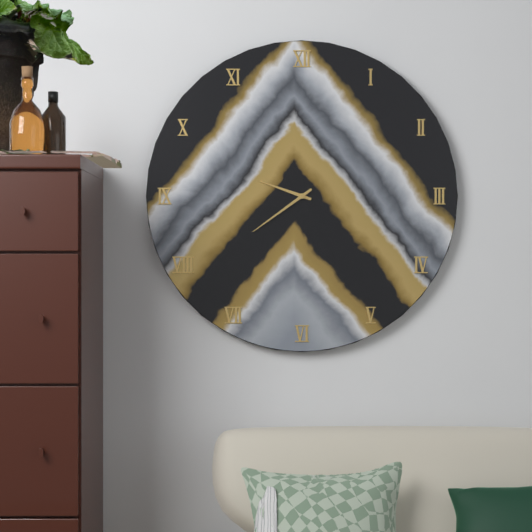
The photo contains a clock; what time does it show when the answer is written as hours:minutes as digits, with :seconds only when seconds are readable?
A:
9:39
